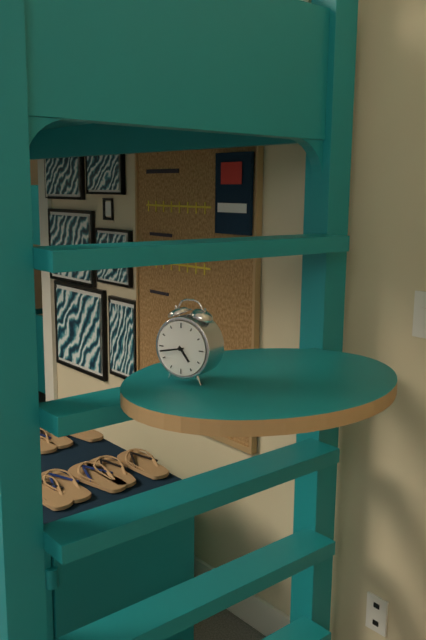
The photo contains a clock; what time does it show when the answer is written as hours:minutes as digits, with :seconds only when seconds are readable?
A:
4:43
